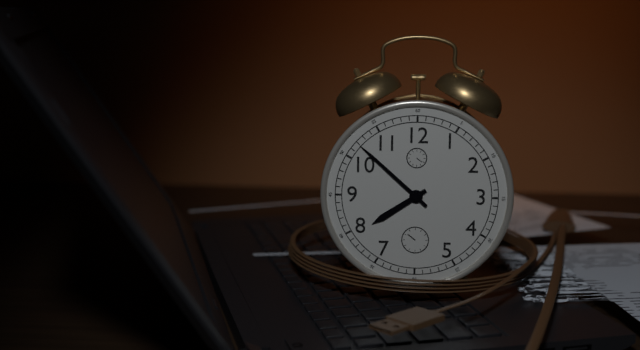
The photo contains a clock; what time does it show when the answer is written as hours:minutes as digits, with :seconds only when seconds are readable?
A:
7:52
